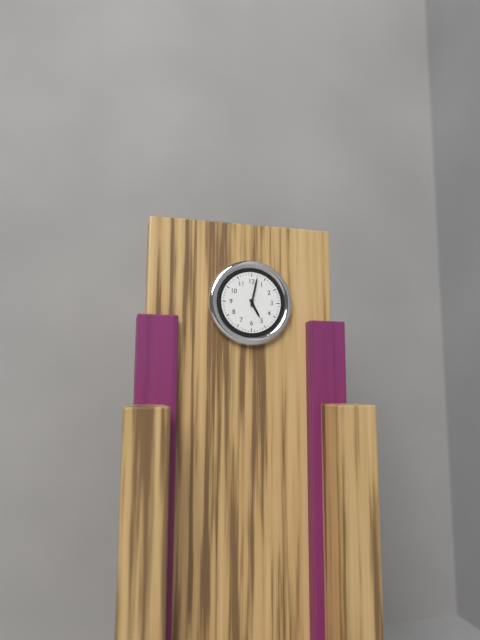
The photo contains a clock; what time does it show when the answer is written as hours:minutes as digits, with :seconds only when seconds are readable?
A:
5:02
